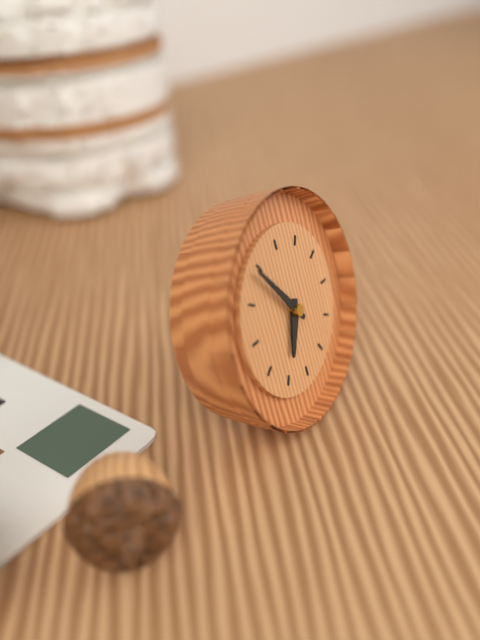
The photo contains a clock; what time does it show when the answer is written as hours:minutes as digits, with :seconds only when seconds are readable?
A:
6:54
